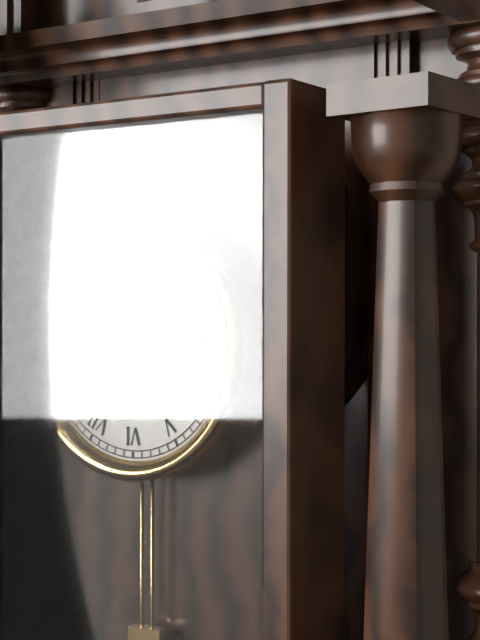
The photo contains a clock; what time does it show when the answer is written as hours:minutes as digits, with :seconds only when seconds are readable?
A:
11:58
